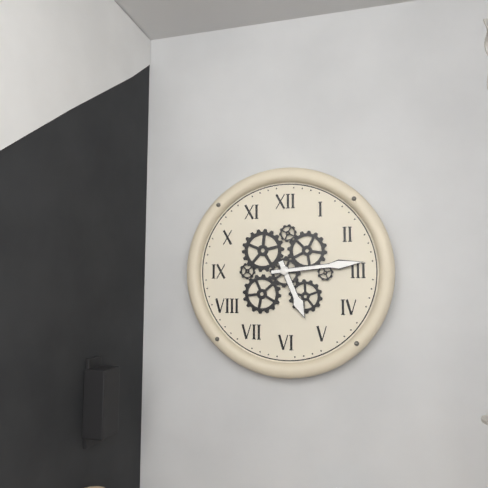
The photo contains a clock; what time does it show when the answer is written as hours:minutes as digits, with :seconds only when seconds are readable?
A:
5:14
